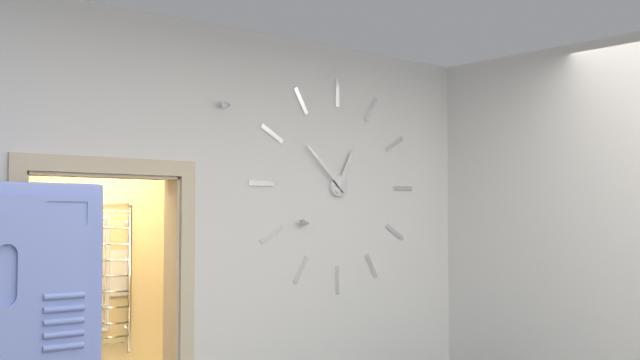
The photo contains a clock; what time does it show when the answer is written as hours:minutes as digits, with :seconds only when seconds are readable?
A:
12:52
